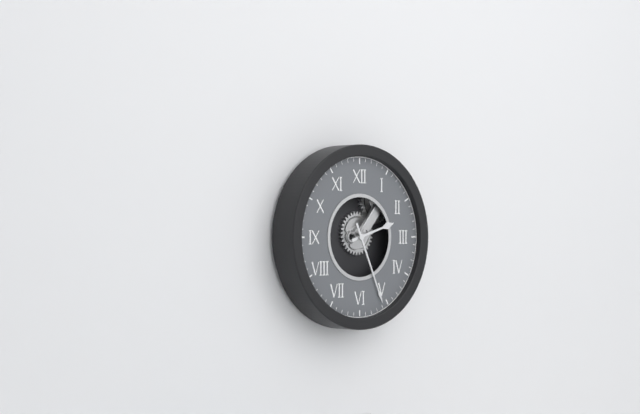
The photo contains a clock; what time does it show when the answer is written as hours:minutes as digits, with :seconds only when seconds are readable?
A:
2:26
